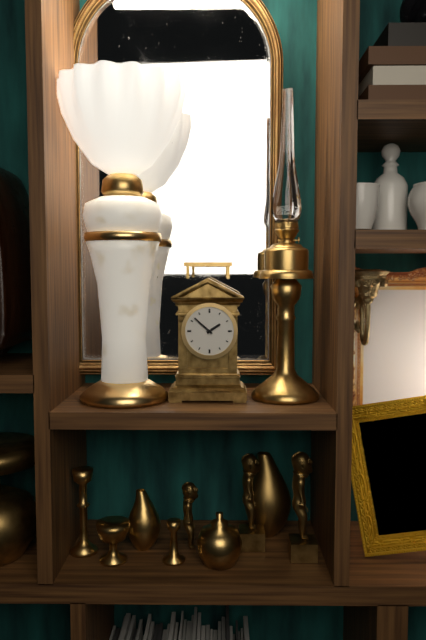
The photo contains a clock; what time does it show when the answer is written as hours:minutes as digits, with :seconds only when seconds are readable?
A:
1:52
